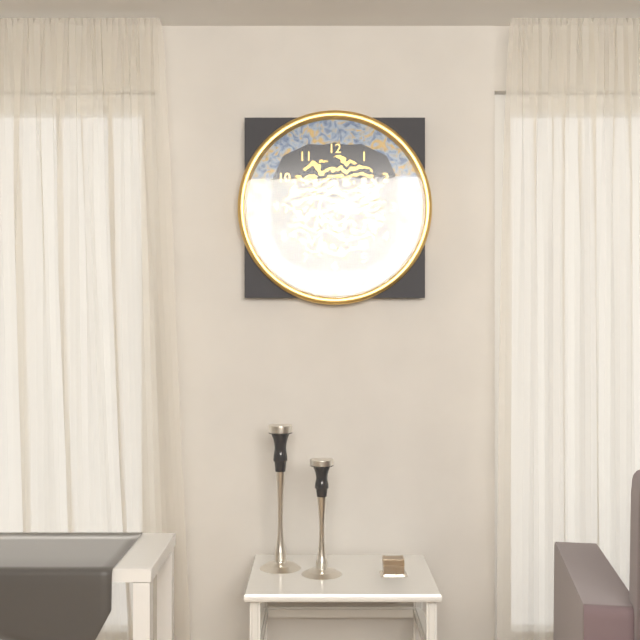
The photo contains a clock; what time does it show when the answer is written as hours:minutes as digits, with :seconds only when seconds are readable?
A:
3:11
